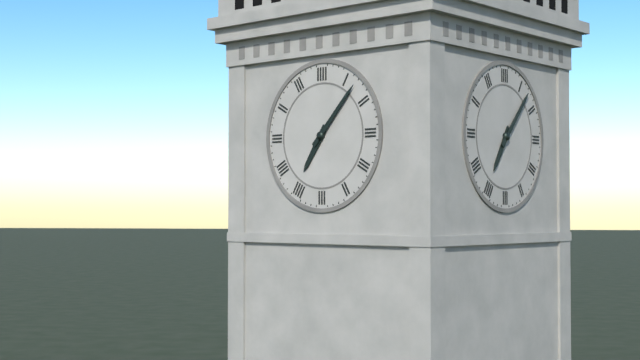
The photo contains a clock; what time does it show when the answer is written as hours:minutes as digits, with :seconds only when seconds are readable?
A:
7:07
